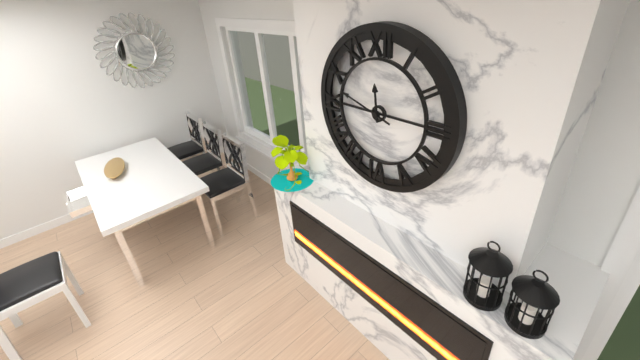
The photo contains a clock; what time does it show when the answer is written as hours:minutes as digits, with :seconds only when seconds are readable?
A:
11:48
